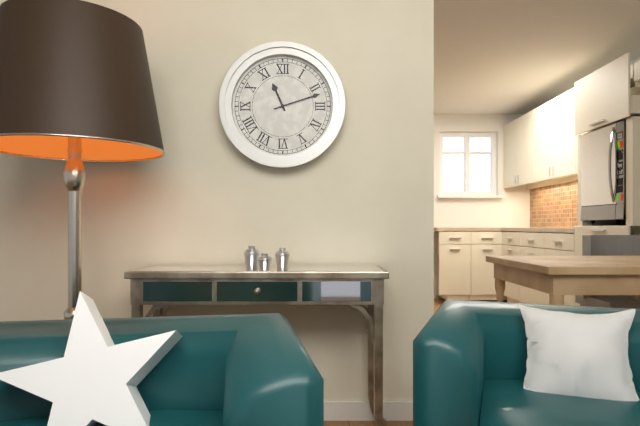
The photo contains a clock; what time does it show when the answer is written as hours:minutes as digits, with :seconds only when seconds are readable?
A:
11:12
